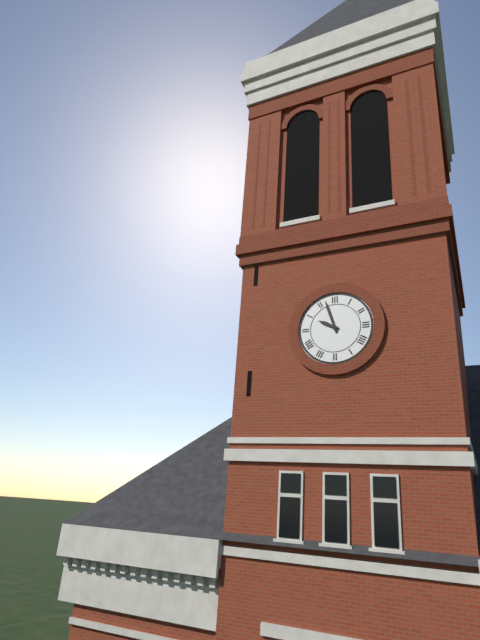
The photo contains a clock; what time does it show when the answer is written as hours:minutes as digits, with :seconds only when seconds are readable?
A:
9:57
